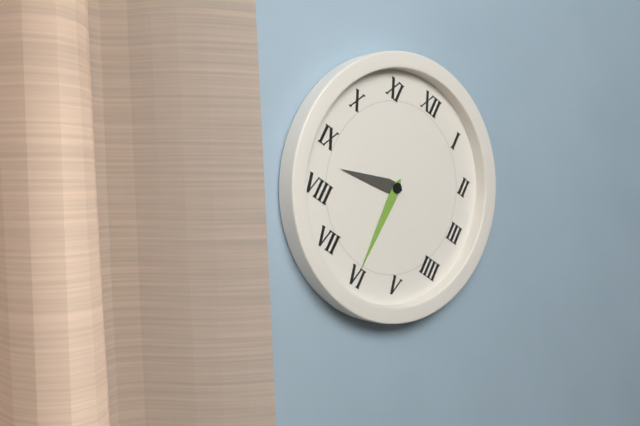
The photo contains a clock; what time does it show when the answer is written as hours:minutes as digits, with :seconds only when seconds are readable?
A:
8:30
